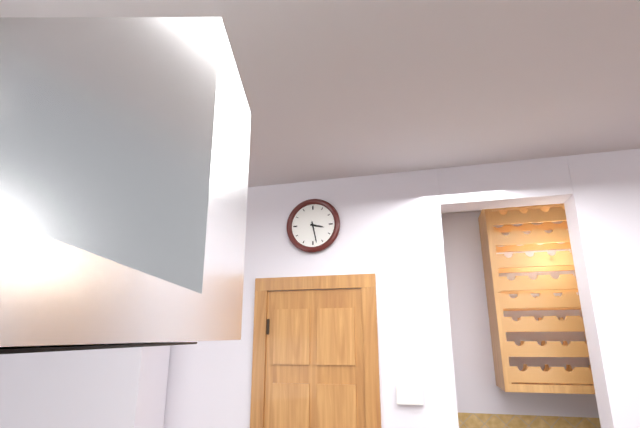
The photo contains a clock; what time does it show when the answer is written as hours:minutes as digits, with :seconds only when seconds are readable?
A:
3:28
